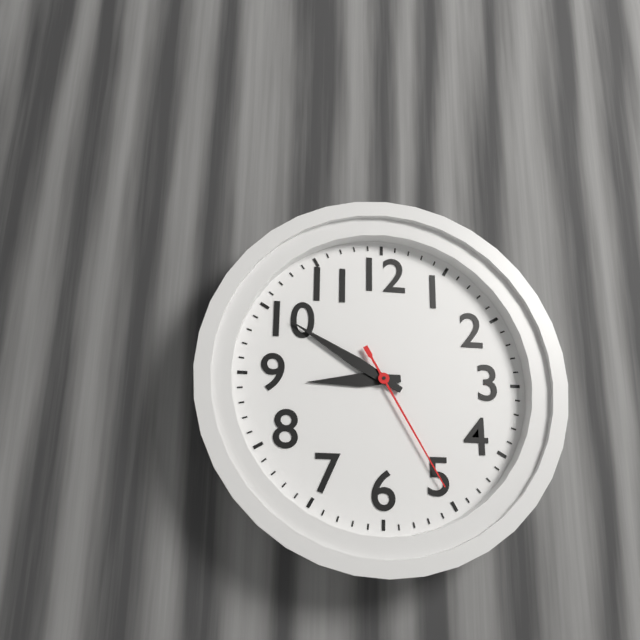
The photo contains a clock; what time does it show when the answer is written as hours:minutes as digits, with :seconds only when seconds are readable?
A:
8:50:25
